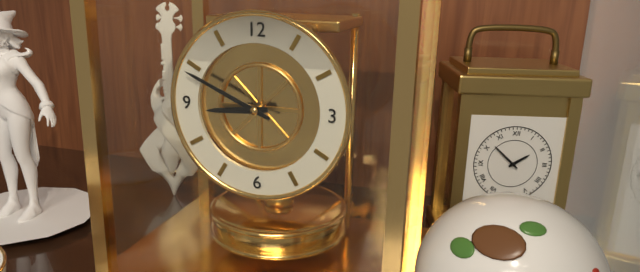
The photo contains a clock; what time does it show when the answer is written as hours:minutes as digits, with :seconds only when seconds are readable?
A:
8:49
